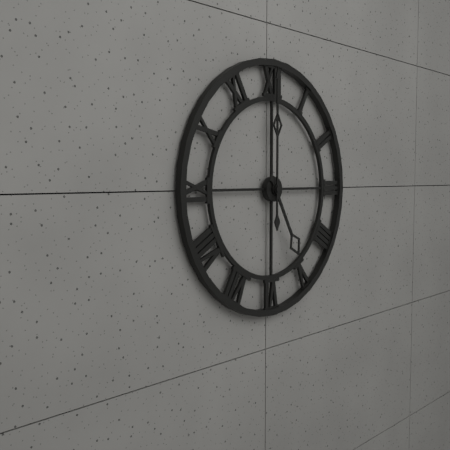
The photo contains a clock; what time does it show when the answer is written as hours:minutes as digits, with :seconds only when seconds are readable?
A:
5:00
